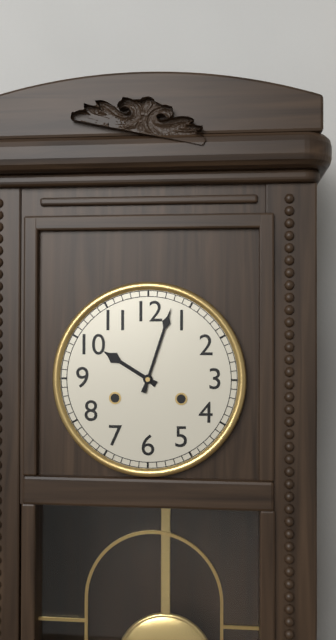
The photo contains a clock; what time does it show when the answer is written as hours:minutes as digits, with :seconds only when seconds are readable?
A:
10:03
